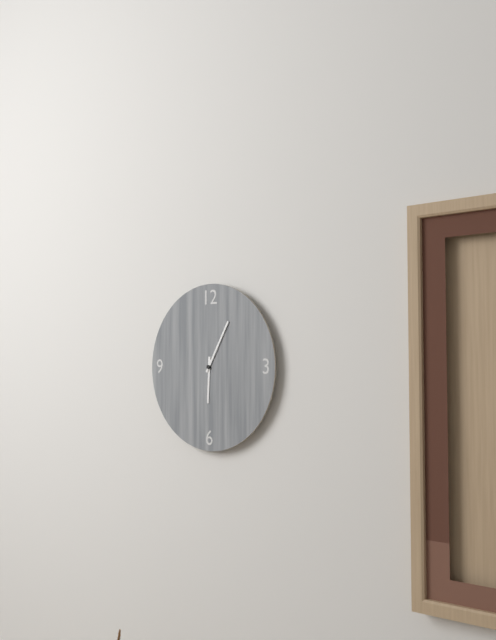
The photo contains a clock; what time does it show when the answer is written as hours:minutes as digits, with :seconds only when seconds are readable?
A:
6:05
